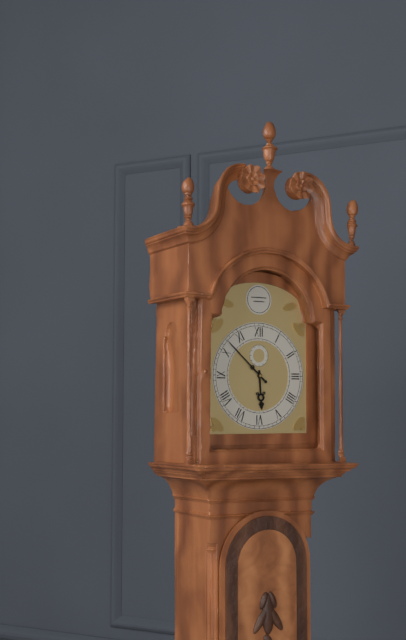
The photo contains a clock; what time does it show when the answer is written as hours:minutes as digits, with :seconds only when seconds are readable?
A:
5:52
